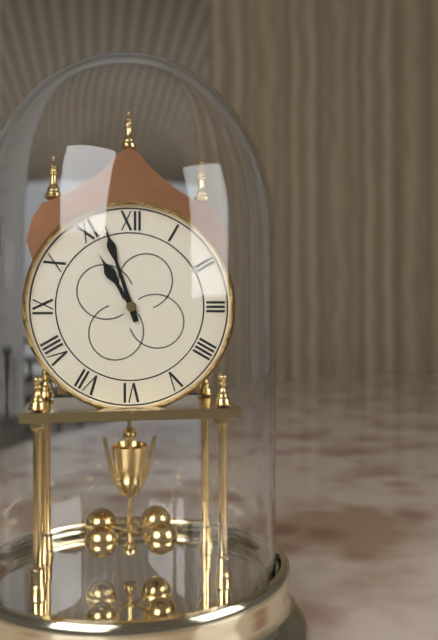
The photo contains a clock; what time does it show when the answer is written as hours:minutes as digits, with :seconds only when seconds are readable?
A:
10:57
